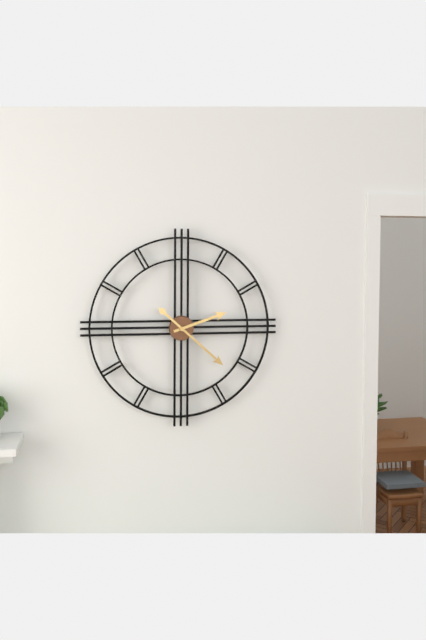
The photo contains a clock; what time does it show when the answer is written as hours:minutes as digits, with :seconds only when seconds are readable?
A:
2:22
